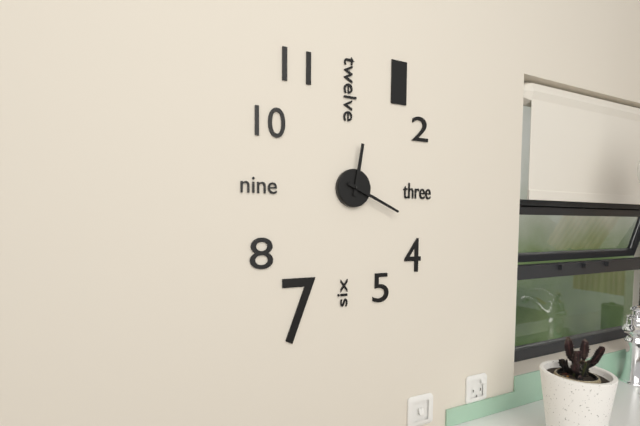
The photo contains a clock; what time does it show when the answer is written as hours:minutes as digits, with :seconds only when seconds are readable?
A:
12:19
